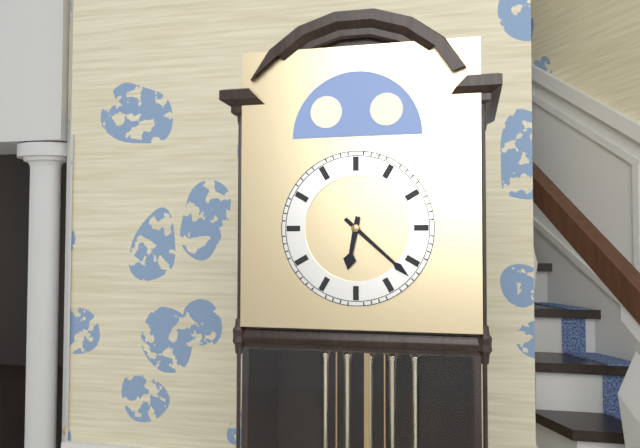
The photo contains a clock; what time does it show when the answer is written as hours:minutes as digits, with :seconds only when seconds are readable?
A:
6:22
